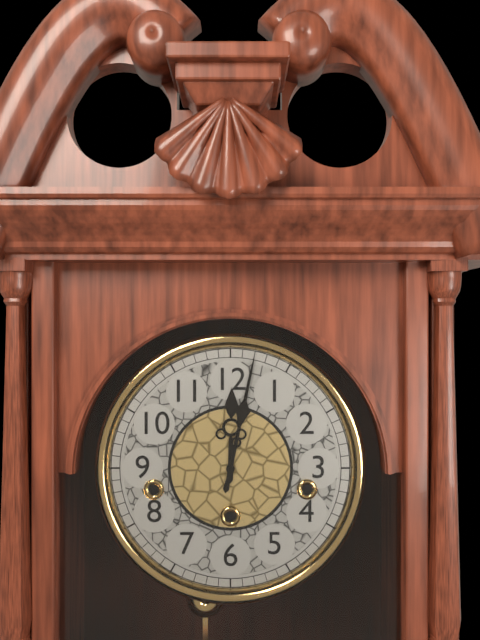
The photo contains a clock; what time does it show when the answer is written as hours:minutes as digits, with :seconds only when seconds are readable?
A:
12:02
